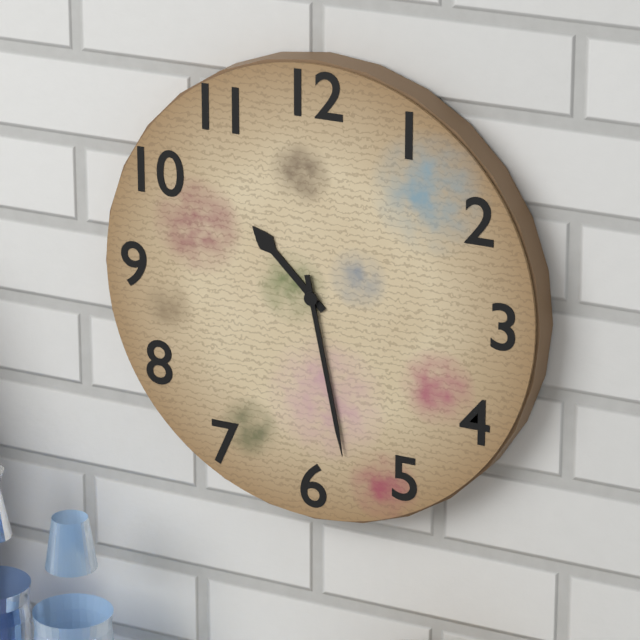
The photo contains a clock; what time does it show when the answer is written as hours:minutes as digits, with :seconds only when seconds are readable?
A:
10:28
